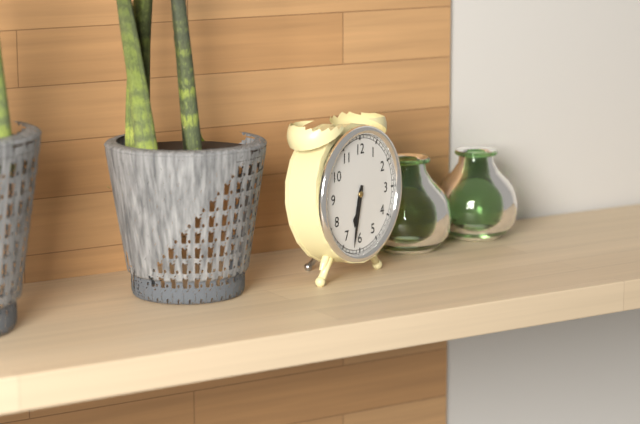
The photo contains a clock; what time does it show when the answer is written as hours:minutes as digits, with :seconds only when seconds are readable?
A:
6:32
